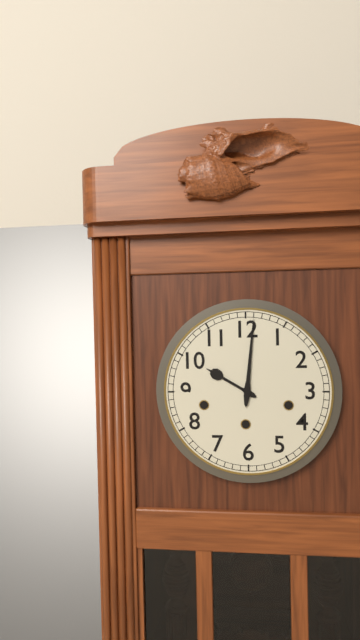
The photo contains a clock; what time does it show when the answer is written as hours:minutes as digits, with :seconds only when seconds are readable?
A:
10:01
